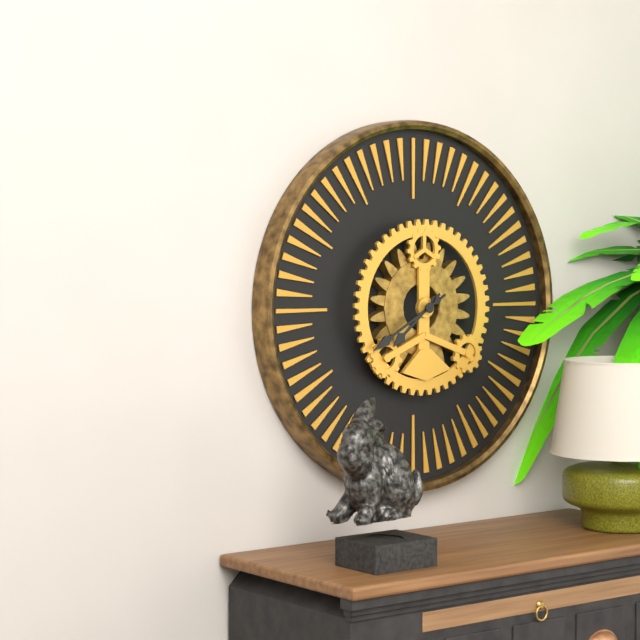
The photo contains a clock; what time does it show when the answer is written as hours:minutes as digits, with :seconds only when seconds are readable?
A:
7:40
